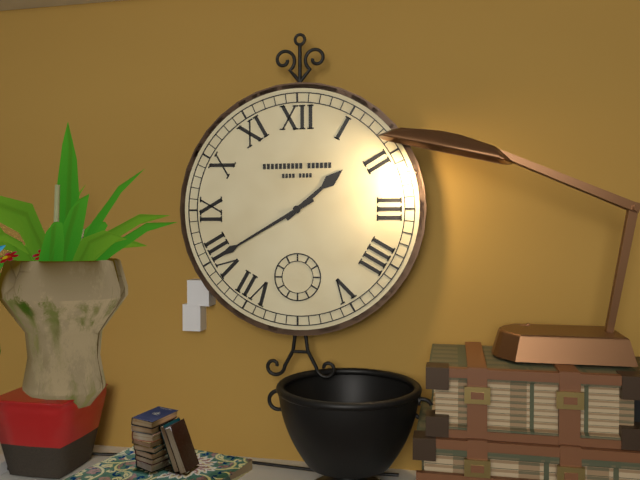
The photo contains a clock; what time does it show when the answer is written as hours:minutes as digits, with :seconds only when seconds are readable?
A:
1:40
